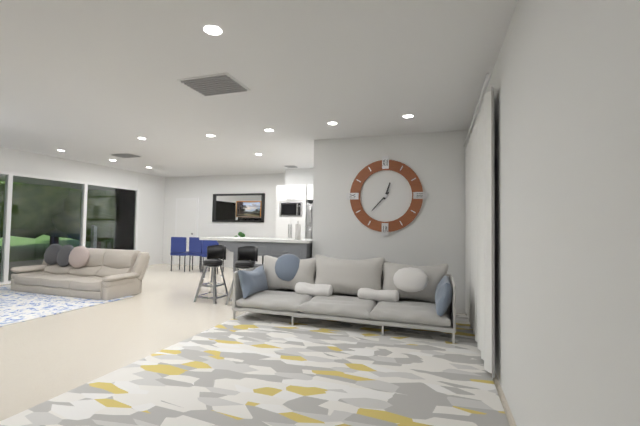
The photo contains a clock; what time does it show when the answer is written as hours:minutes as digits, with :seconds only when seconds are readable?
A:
12:37
